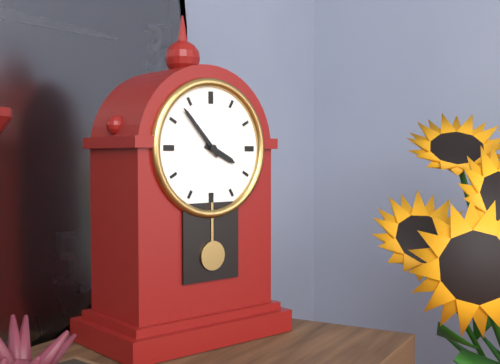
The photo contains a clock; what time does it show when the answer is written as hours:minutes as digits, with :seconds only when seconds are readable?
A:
3:53
